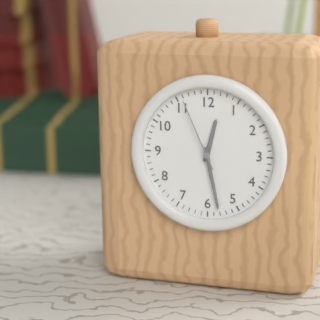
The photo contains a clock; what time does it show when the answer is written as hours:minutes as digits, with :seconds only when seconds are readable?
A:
12:28:56
